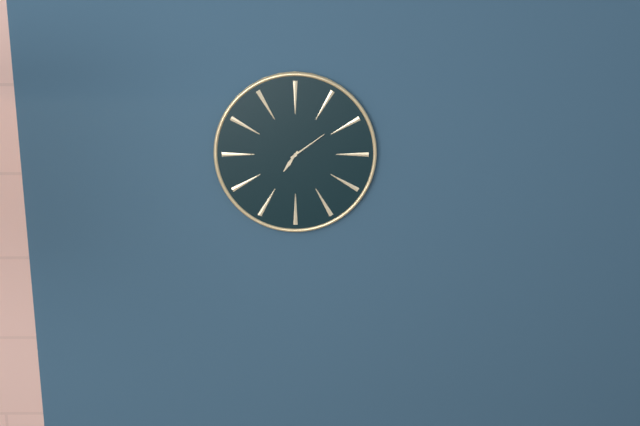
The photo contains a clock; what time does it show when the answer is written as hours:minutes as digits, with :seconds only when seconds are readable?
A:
7:09
